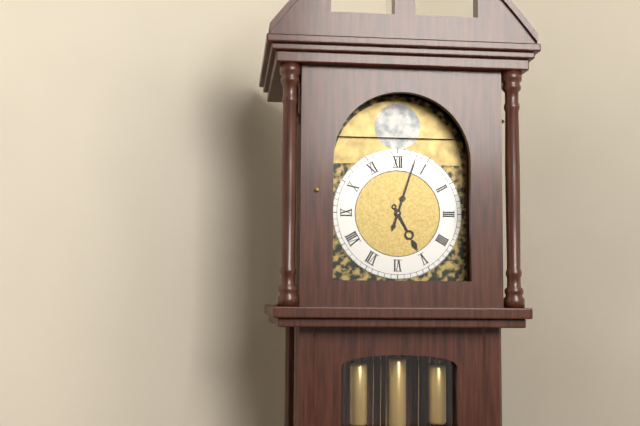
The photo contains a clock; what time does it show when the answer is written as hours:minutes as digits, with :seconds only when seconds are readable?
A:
5:03
